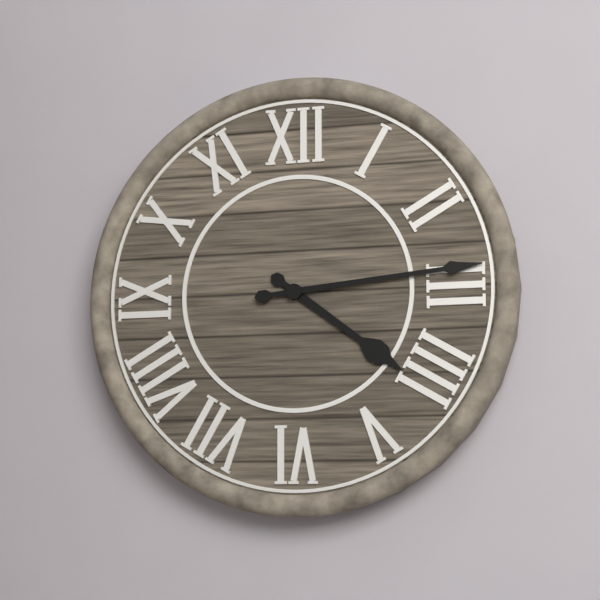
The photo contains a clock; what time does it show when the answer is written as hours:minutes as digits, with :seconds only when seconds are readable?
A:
4:14
